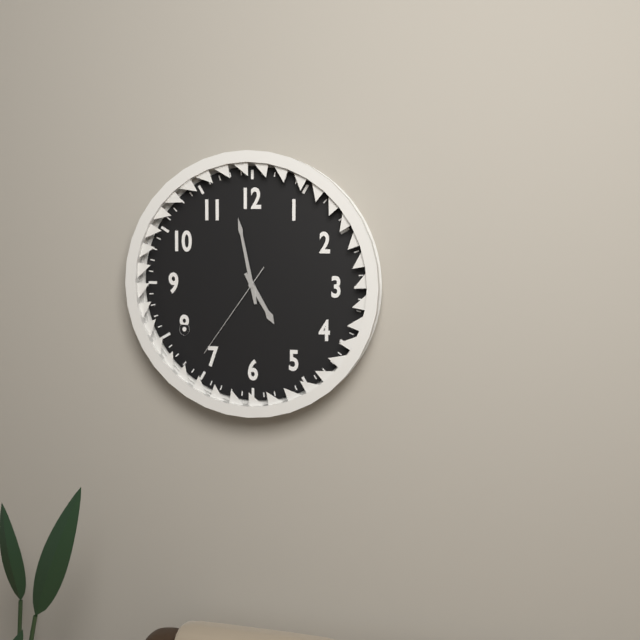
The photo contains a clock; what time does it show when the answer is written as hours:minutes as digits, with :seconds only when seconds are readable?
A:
4:58:36
